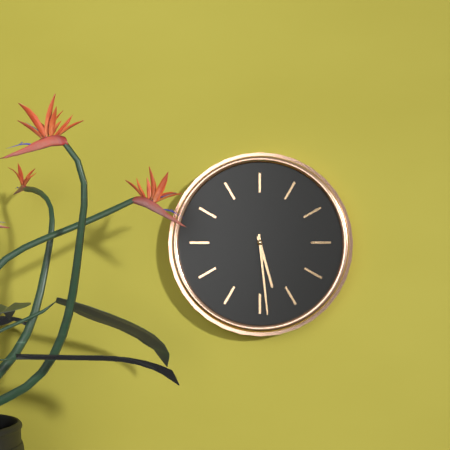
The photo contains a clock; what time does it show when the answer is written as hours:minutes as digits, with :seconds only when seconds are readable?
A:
5:29
